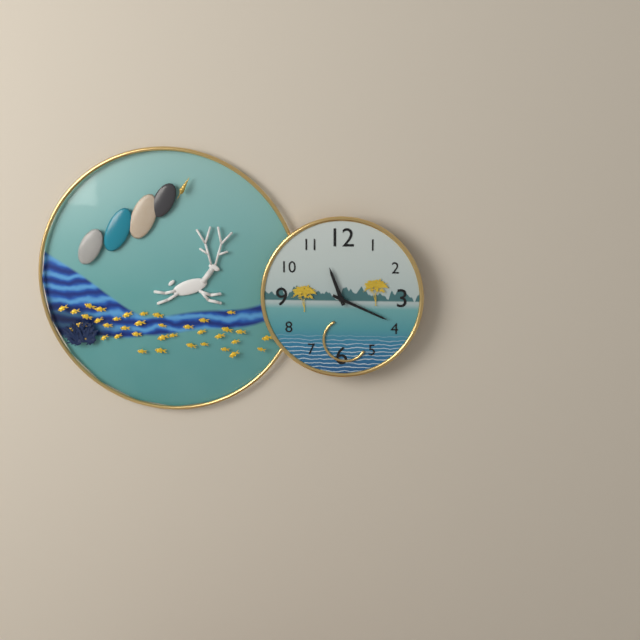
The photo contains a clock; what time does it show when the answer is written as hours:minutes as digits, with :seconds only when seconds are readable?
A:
11:19
